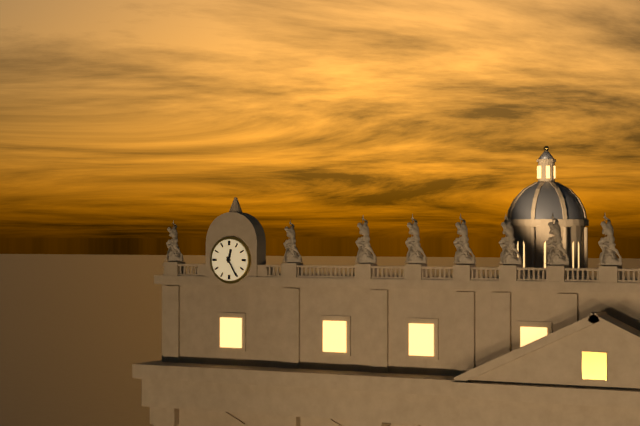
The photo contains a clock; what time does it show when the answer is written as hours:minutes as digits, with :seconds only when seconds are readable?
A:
12:25
